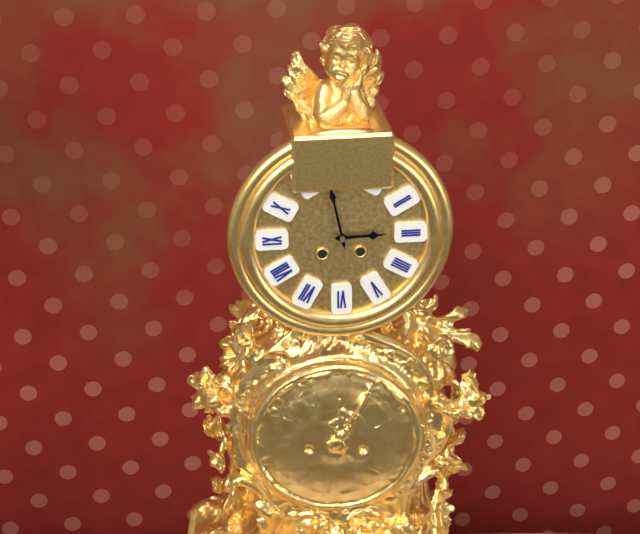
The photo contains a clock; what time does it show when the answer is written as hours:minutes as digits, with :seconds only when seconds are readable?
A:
2:58
